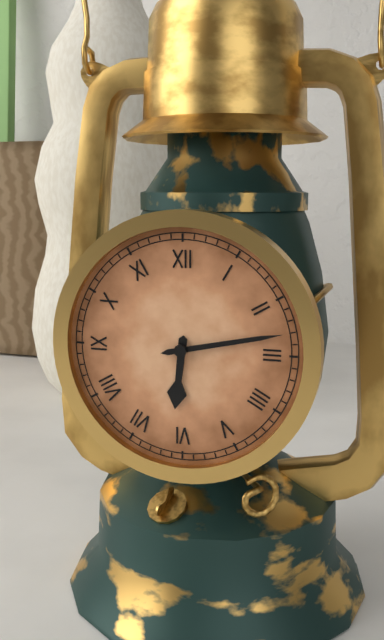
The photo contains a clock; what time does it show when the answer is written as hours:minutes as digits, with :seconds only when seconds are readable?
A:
6:13
